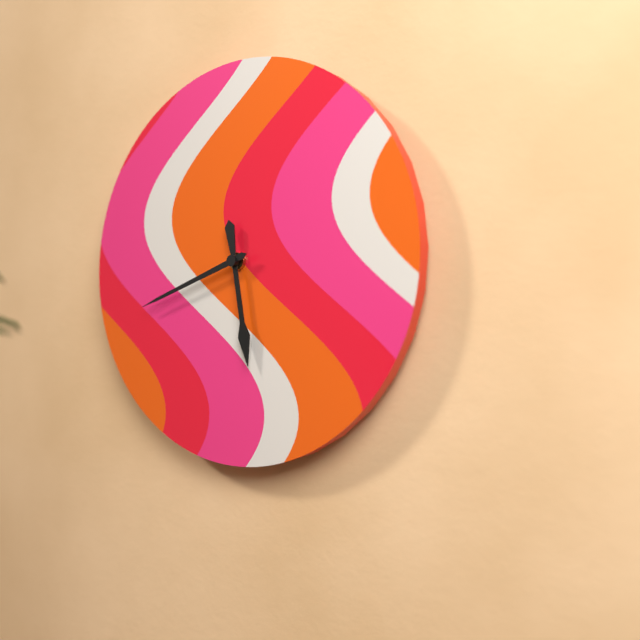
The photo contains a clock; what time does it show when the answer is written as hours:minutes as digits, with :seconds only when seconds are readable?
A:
5:42
